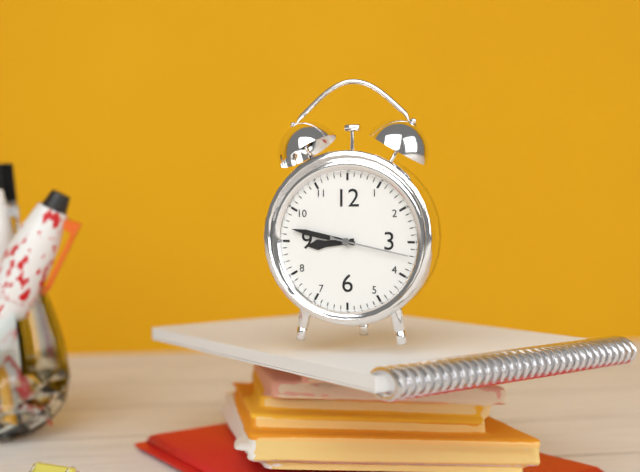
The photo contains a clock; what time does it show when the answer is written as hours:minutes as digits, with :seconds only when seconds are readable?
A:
8:47:17
